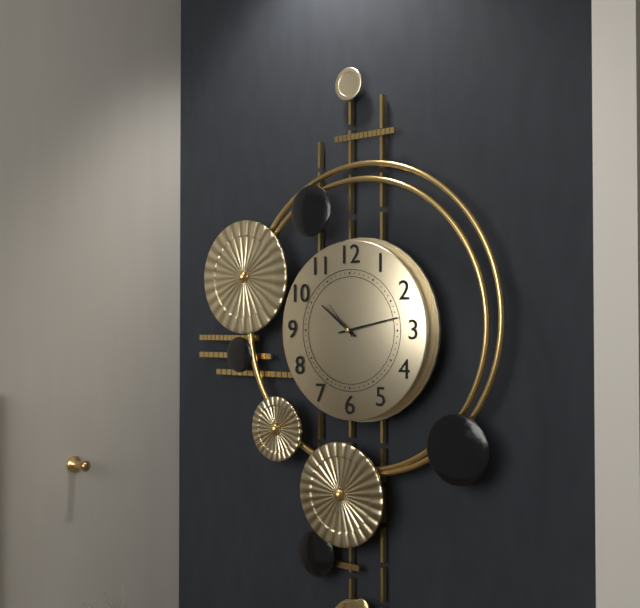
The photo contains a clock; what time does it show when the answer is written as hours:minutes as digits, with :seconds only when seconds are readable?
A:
10:13
